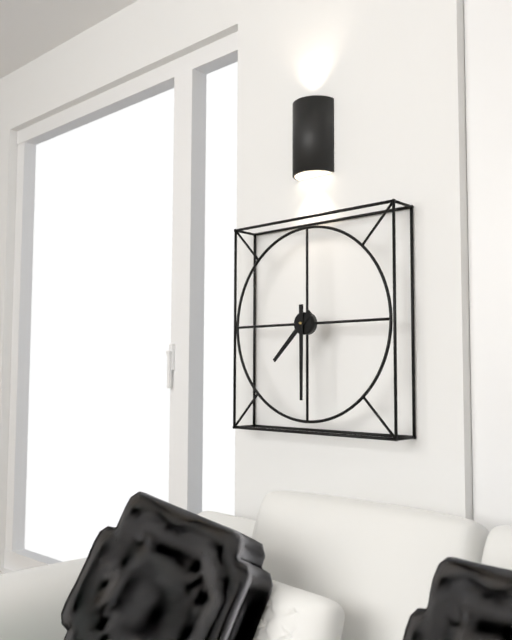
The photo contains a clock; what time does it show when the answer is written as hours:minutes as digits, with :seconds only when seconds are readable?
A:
7:30
